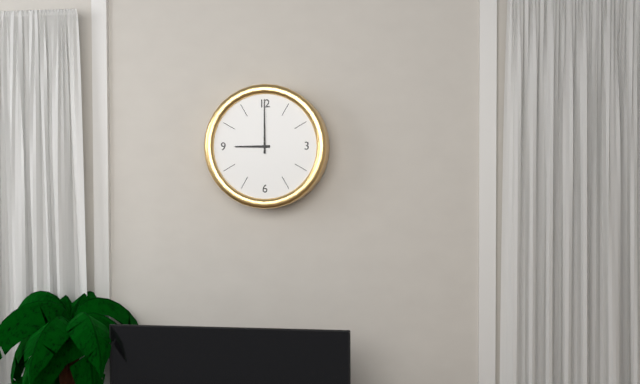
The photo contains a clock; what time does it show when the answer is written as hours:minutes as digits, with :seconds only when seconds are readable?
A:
9:00
